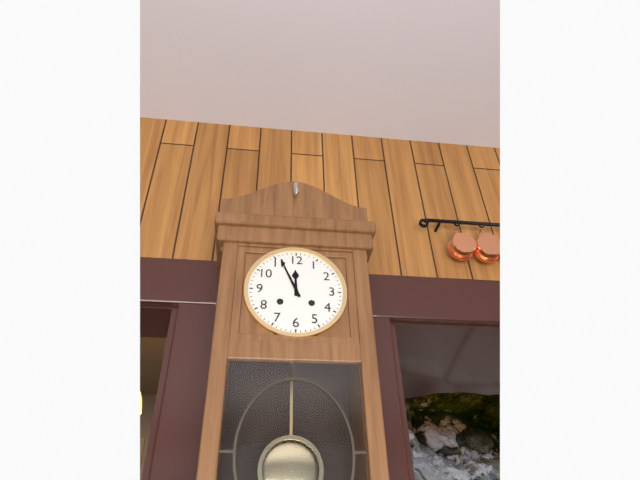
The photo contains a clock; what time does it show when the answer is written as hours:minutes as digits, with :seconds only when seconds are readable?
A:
11:56
